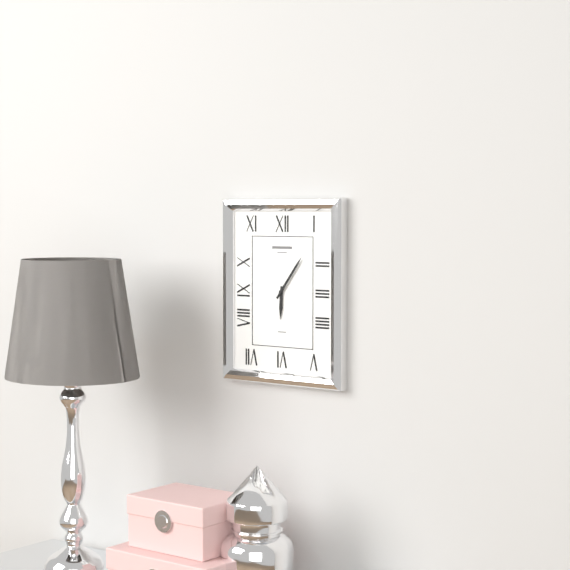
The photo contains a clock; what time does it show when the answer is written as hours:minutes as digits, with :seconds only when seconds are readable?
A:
6:06
